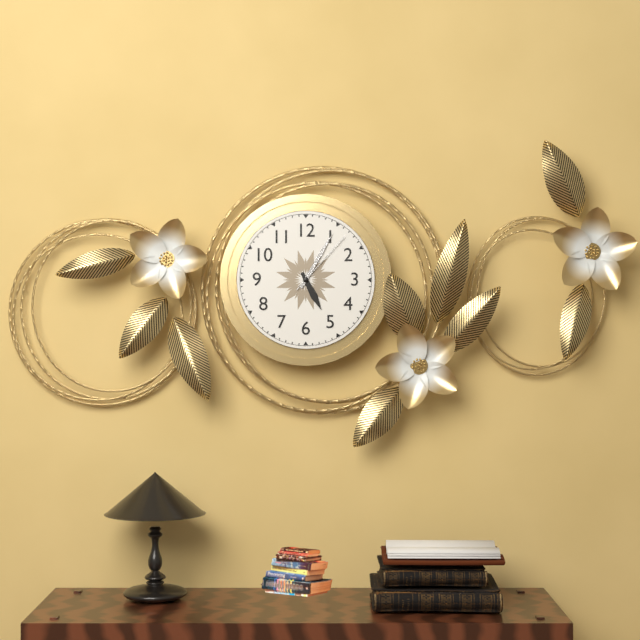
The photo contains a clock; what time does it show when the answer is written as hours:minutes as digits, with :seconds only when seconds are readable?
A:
5:05:07
